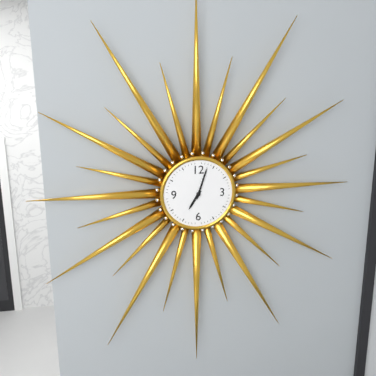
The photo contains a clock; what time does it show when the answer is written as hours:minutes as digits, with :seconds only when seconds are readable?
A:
7:03
